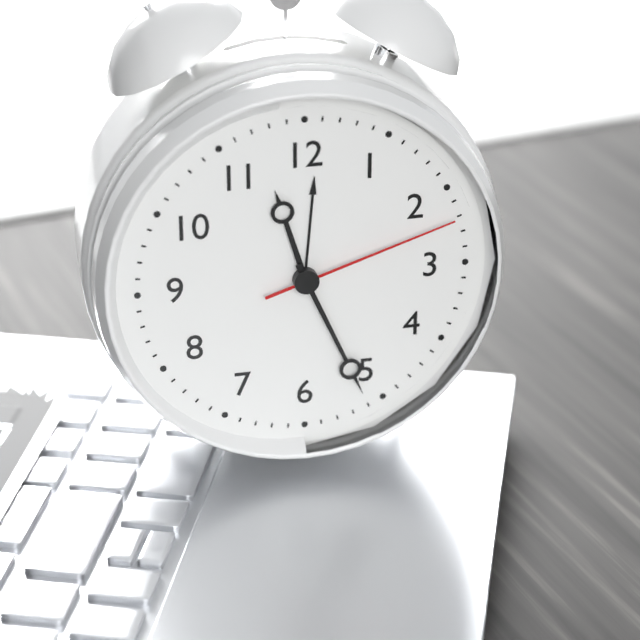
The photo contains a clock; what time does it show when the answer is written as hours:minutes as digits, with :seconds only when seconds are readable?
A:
11:26:12
